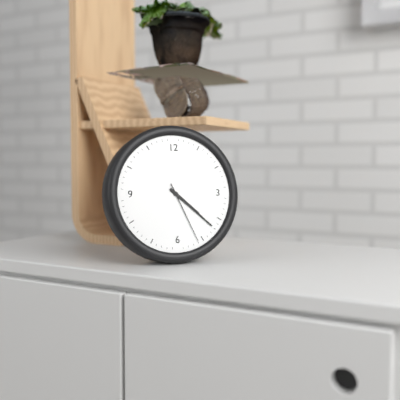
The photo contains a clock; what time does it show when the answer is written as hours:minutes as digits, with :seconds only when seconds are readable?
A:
4:22:26
